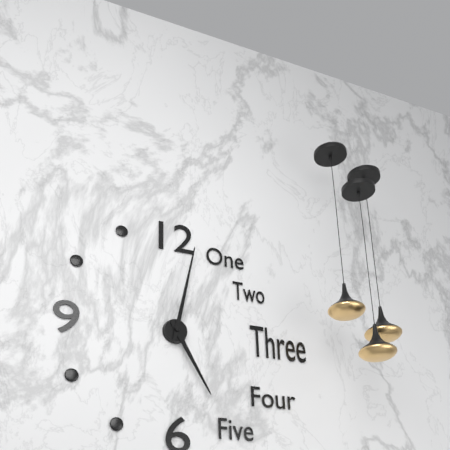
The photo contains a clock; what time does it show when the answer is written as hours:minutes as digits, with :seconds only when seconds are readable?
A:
5:02
